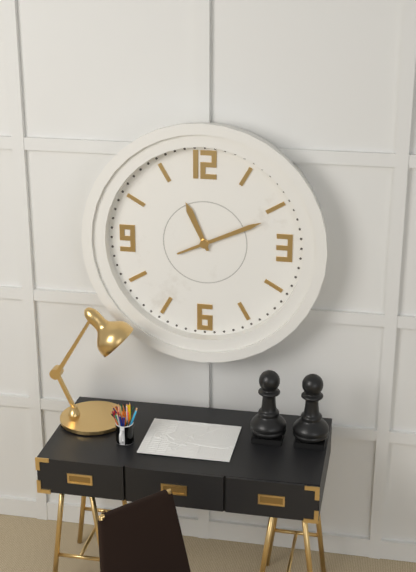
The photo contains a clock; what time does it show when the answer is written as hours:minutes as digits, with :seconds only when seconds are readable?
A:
11:11
